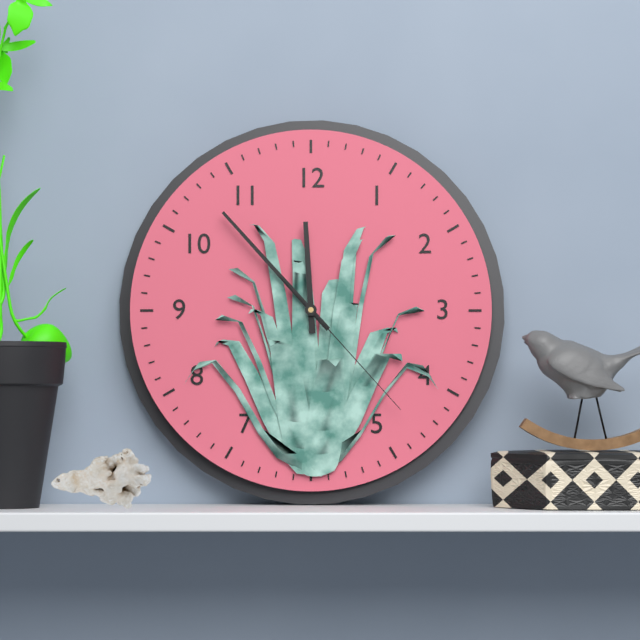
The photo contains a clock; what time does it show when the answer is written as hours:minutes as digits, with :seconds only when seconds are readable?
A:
11:53:23
